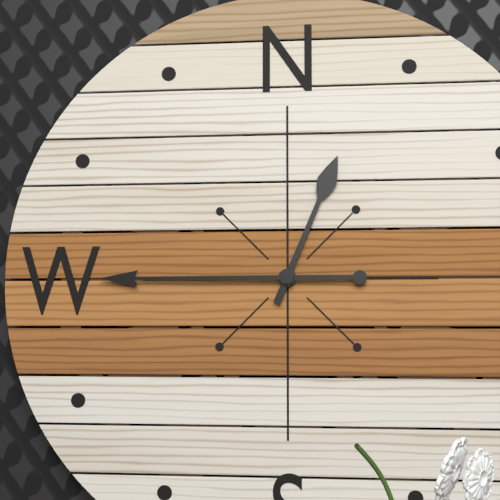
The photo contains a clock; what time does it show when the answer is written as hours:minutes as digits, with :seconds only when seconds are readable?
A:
12:45
